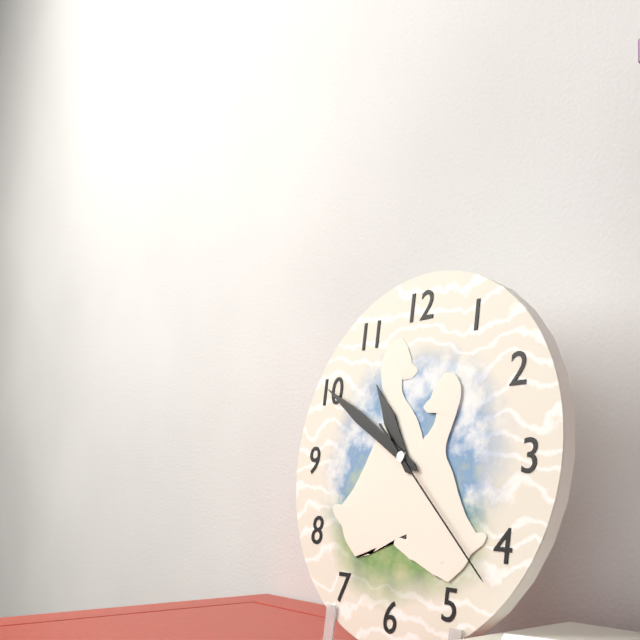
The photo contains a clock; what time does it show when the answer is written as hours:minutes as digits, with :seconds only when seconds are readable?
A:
10:50:22
